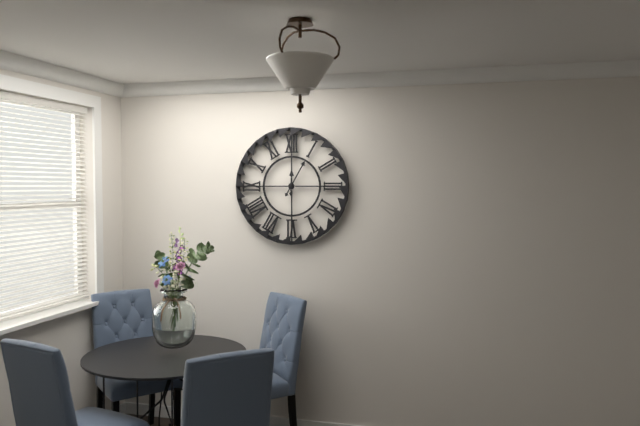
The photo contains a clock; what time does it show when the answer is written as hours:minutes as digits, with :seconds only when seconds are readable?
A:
12:05
